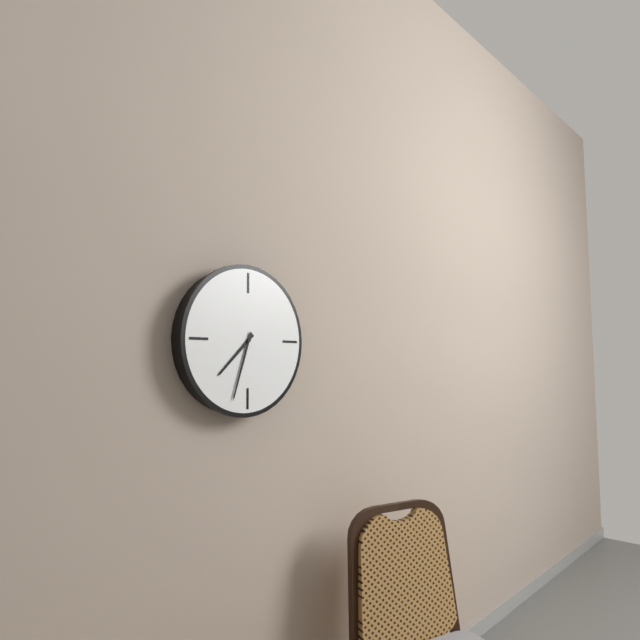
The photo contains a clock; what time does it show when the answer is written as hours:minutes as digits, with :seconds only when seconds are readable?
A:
7:33
